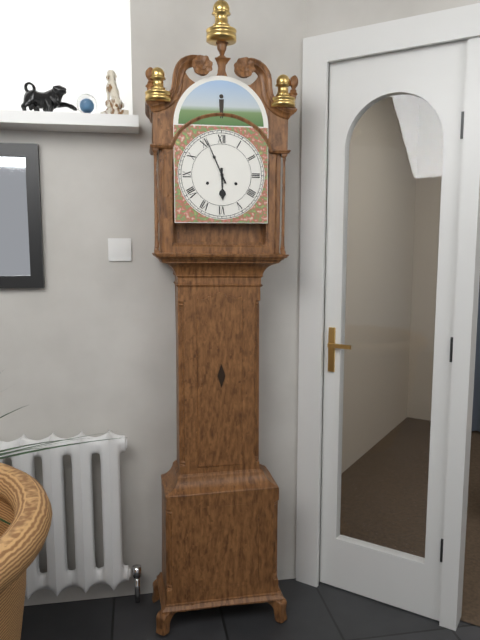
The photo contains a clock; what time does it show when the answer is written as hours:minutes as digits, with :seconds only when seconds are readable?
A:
5:56
